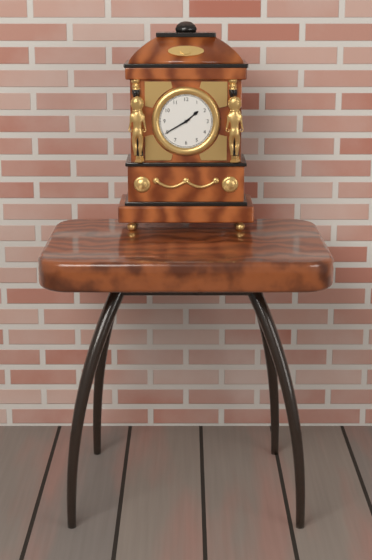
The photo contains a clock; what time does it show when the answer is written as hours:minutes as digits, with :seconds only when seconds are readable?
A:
1:40
